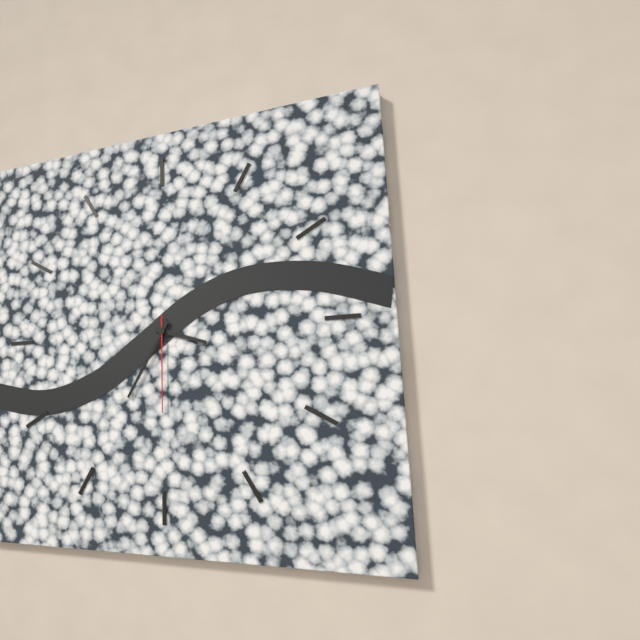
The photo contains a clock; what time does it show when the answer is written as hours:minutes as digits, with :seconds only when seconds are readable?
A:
3:35:30
